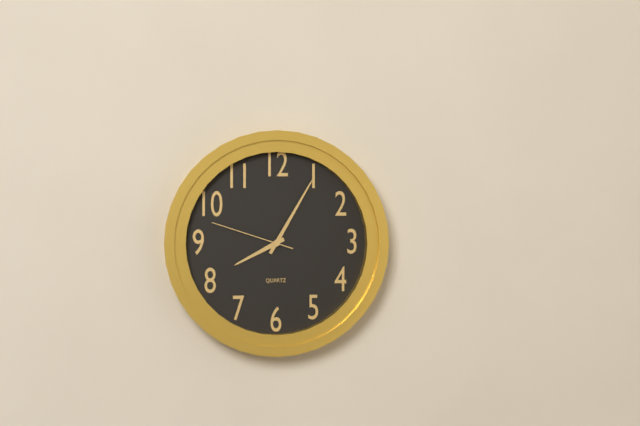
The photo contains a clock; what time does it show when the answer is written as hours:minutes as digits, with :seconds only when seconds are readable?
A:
8:05:48
